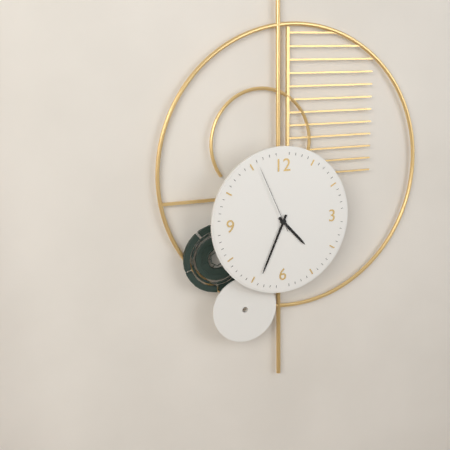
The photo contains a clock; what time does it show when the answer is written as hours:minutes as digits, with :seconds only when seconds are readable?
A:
4:34:56
